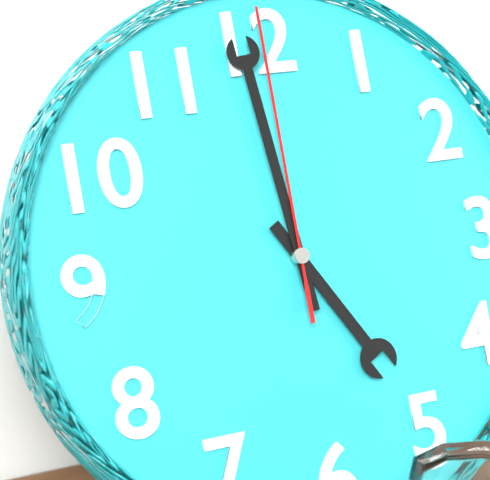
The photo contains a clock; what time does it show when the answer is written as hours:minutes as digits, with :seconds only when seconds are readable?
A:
4:59:00
